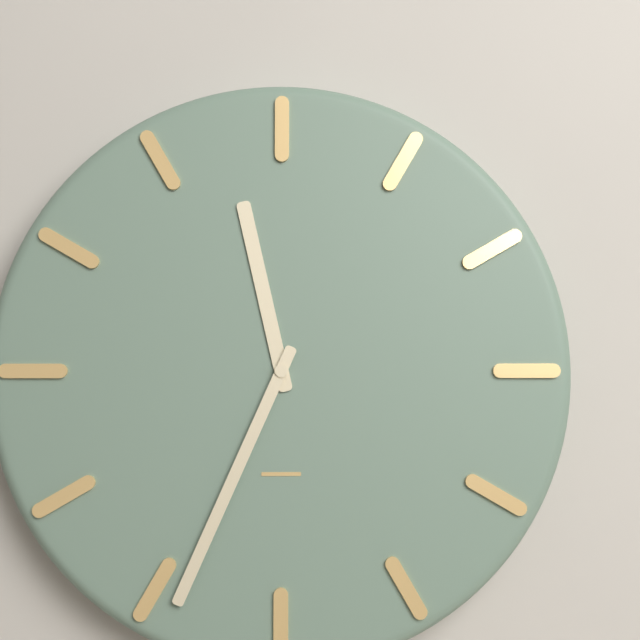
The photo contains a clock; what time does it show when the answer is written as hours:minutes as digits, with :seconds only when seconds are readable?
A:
11:34
